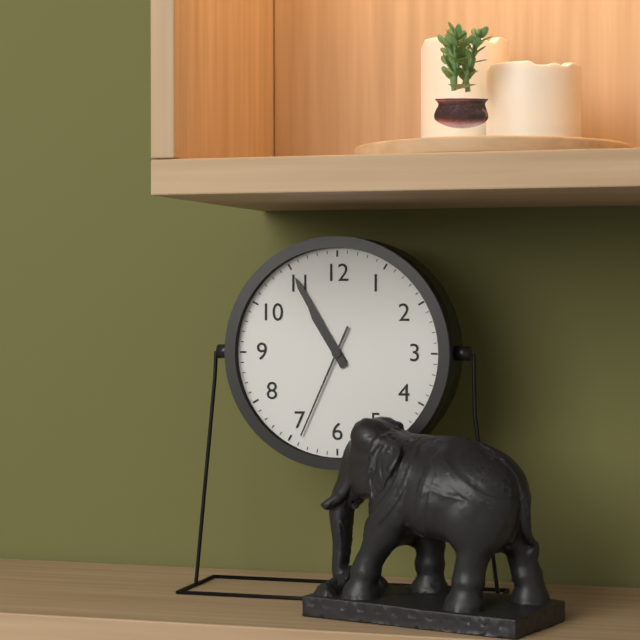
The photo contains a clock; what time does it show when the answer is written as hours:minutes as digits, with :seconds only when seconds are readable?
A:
10:55:34
